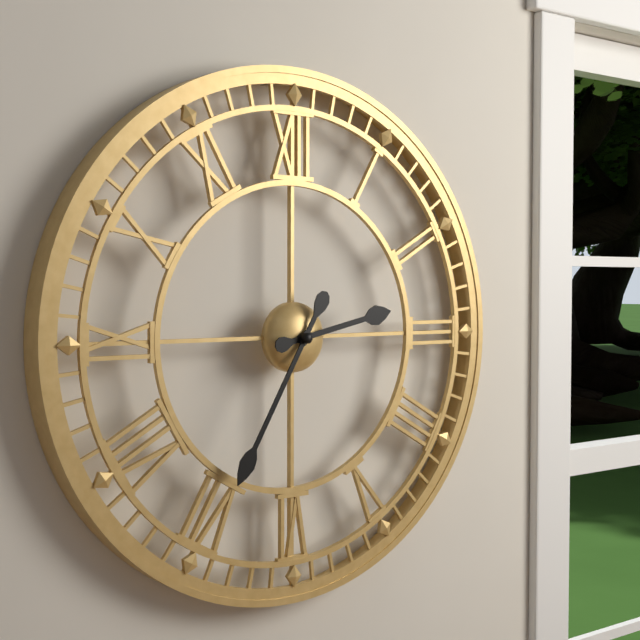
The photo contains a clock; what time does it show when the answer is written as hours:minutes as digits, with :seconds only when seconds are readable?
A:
2:35
